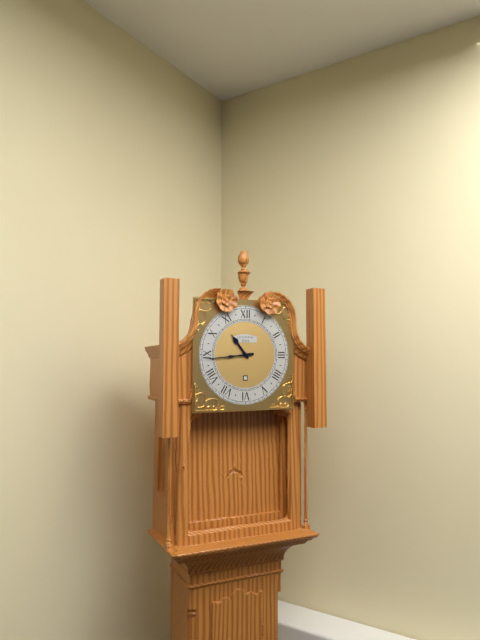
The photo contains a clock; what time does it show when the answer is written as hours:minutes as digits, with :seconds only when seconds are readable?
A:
10:44
